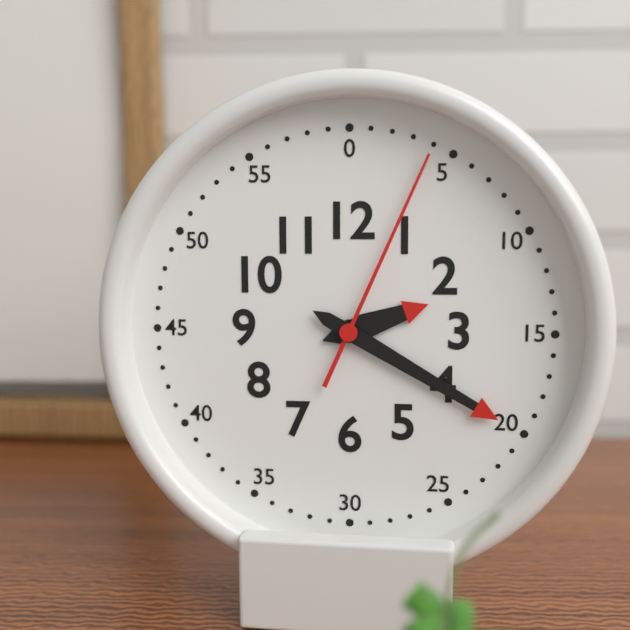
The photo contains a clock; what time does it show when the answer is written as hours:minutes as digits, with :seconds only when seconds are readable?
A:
2:20:04
